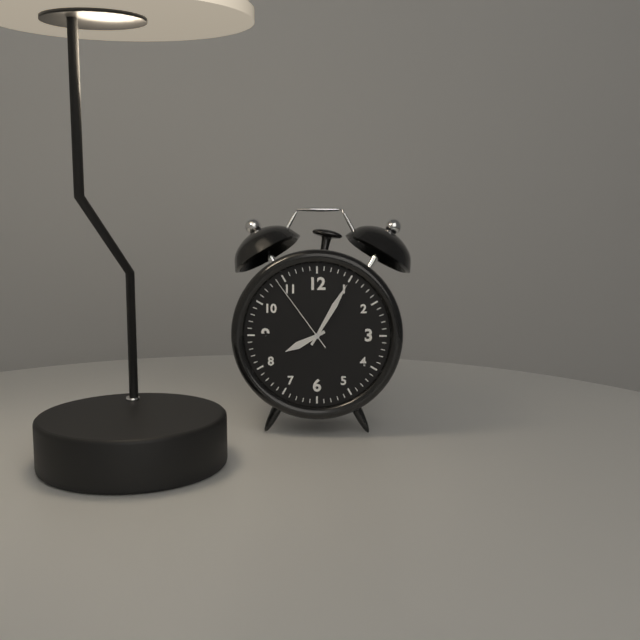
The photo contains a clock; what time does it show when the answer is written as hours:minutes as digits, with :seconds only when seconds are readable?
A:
8:05:54
